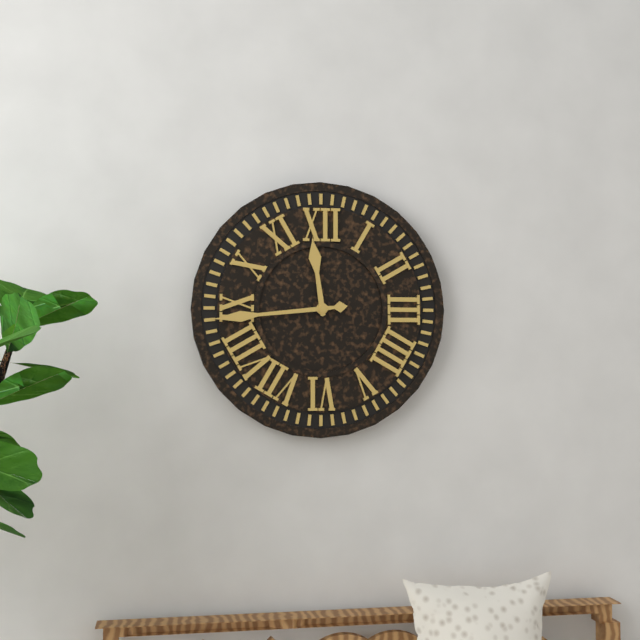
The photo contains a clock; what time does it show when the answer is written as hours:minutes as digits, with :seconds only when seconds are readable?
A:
11:44
